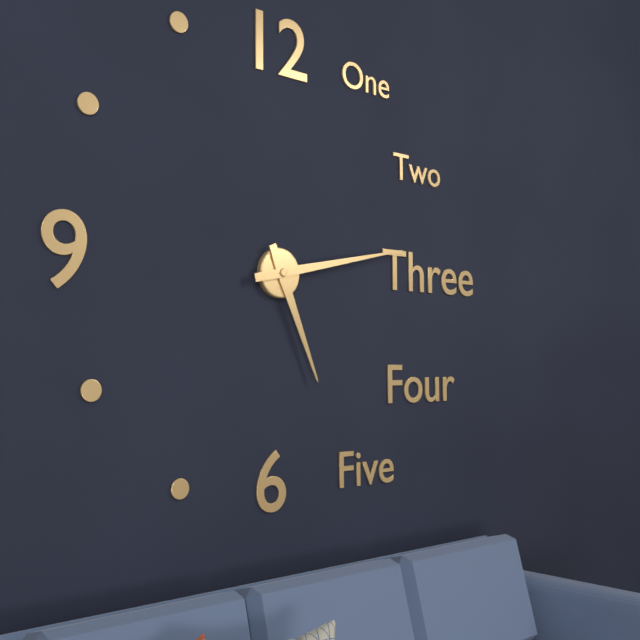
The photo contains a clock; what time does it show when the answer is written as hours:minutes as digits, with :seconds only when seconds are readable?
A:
5:13
